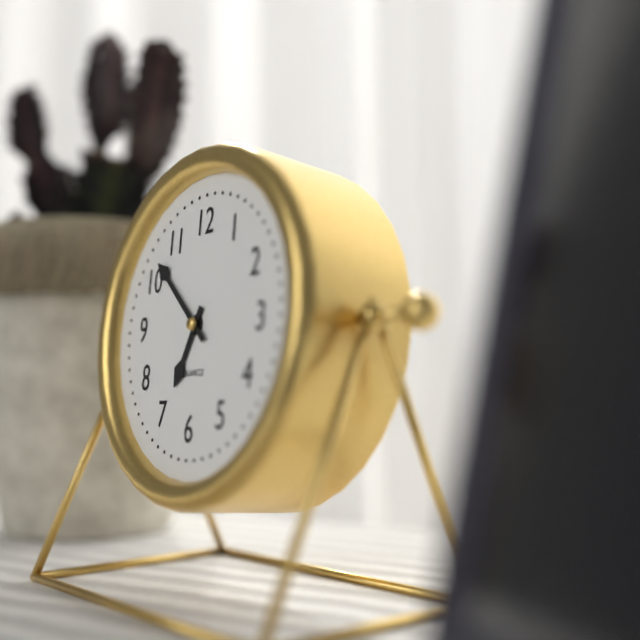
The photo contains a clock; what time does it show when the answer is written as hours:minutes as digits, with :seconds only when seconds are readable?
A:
6:52
